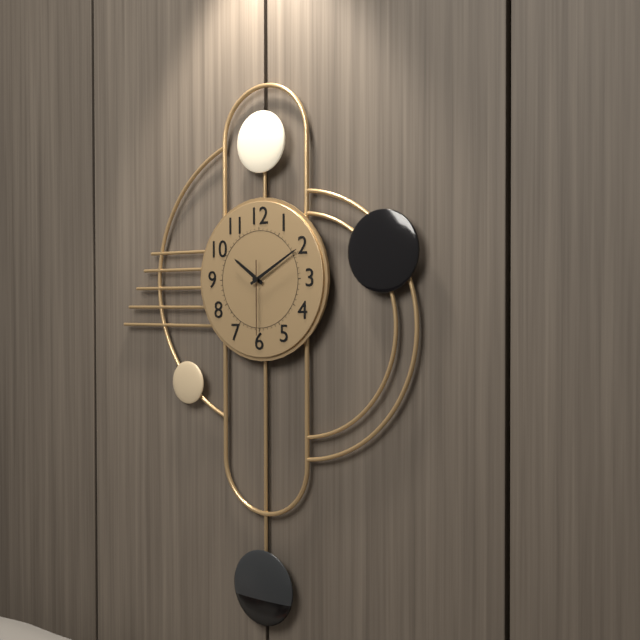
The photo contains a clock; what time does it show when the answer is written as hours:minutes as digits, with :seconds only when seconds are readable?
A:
10:10:30
